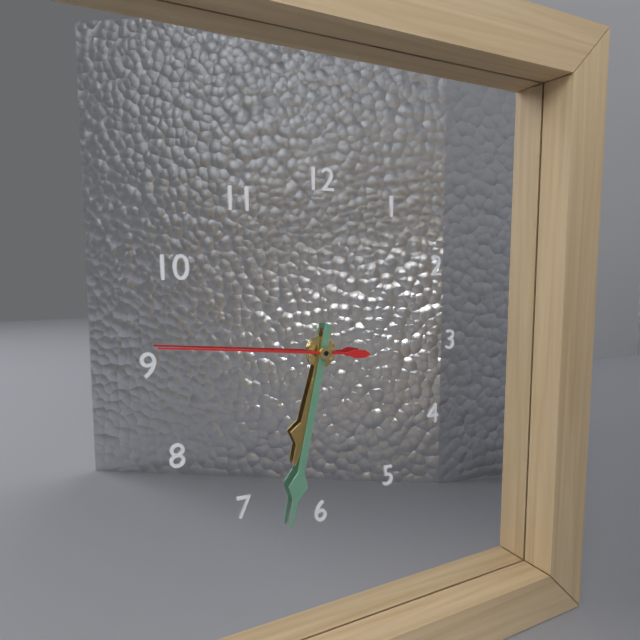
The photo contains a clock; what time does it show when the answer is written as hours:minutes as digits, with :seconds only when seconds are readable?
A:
6:32:46
